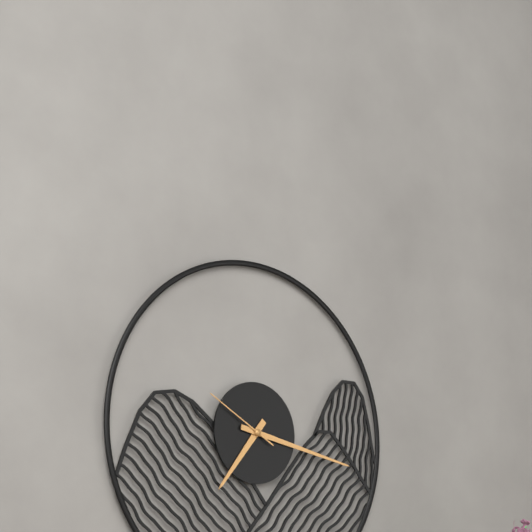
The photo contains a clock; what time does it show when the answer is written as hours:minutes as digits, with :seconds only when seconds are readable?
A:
7:17:50
